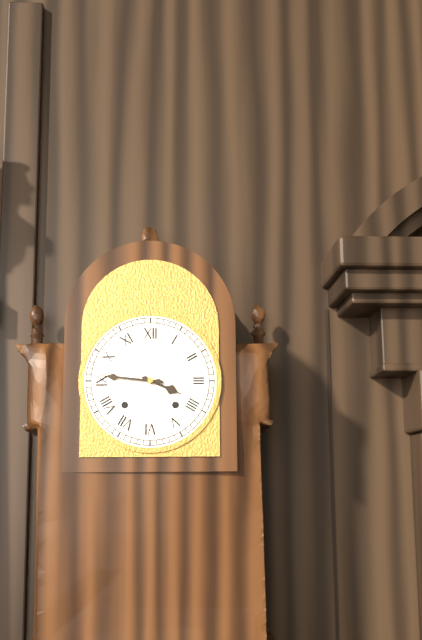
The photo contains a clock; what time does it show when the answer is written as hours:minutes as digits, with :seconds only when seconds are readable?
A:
3:46
